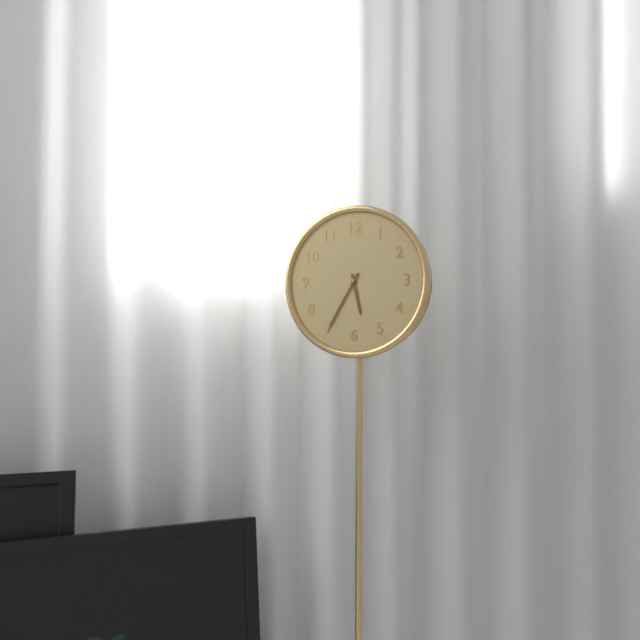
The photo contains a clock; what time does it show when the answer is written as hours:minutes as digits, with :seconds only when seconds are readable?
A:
5:35
